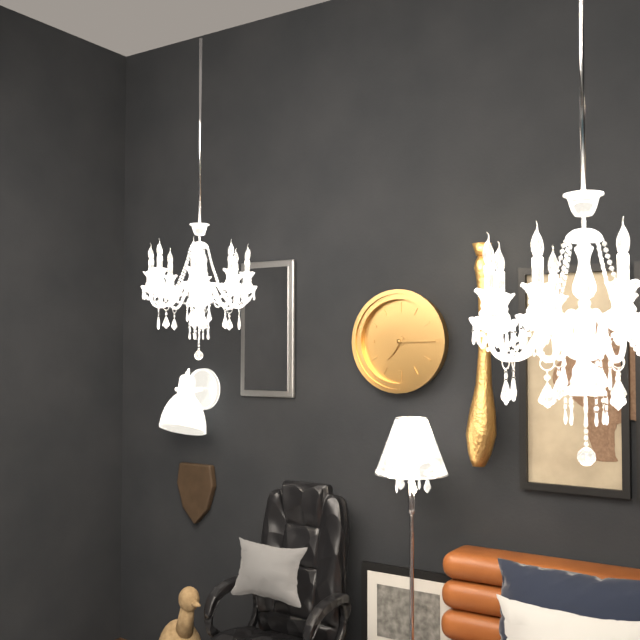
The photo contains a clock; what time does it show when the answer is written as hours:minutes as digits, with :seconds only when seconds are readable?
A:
7:15
